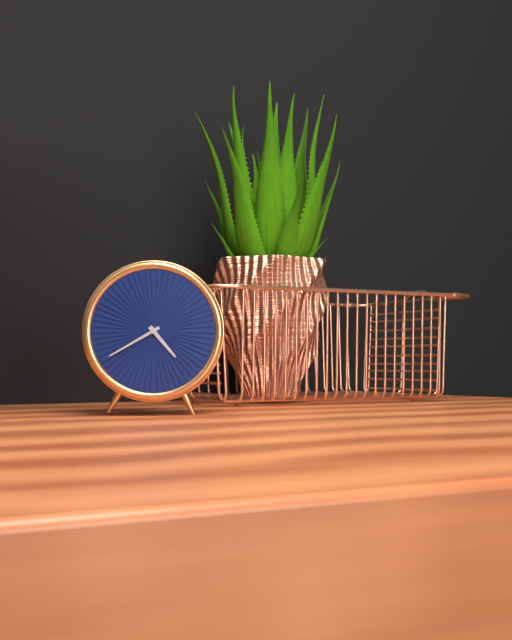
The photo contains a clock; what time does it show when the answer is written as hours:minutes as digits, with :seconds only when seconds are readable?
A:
4:40
